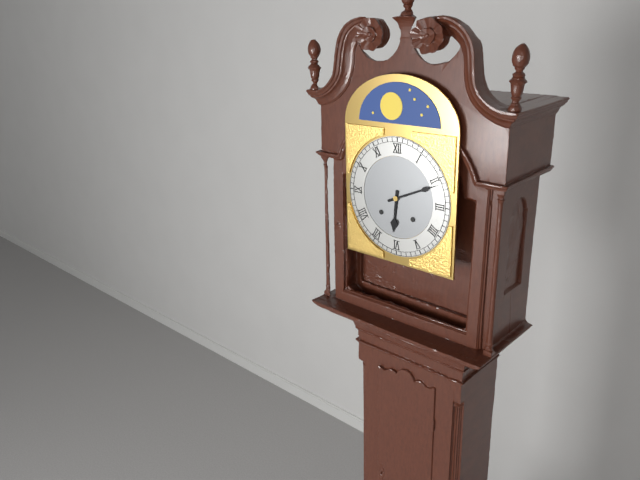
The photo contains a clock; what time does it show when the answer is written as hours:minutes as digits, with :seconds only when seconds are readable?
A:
6:11
